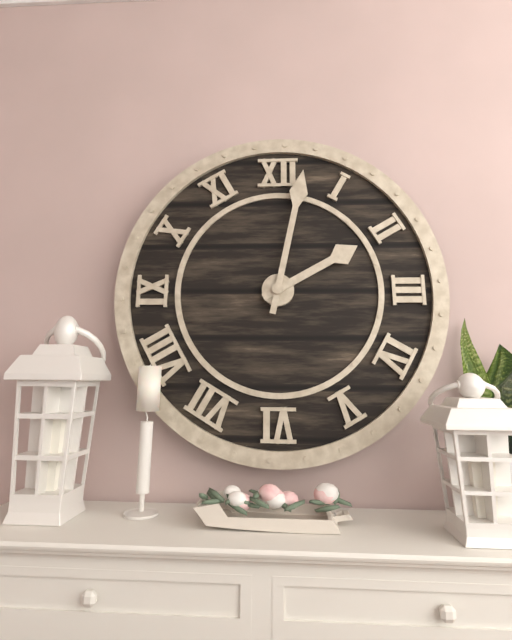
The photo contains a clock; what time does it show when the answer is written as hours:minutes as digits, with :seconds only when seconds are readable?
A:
2:02
